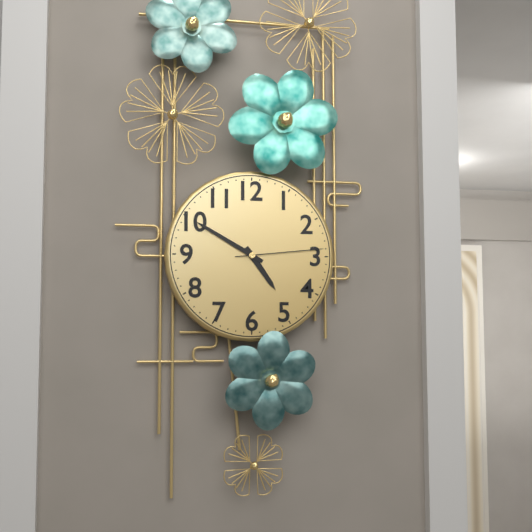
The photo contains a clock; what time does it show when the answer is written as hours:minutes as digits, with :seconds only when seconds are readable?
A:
4:50:14
